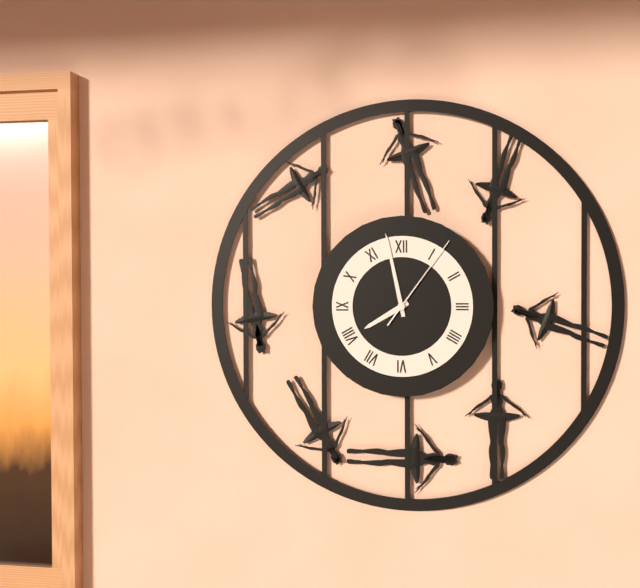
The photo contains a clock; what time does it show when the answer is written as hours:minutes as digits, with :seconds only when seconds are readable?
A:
7:58:06
